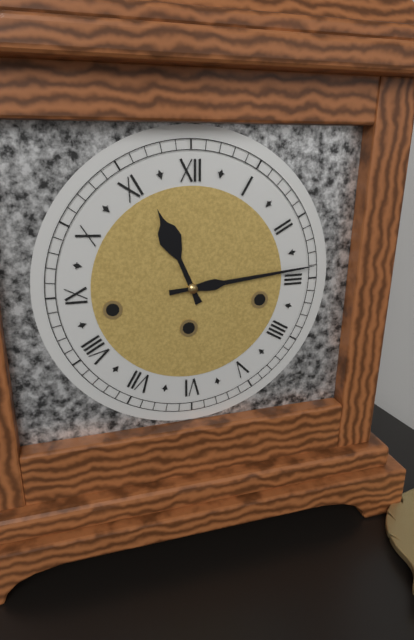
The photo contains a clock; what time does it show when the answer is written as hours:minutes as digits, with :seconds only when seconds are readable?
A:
11:14
